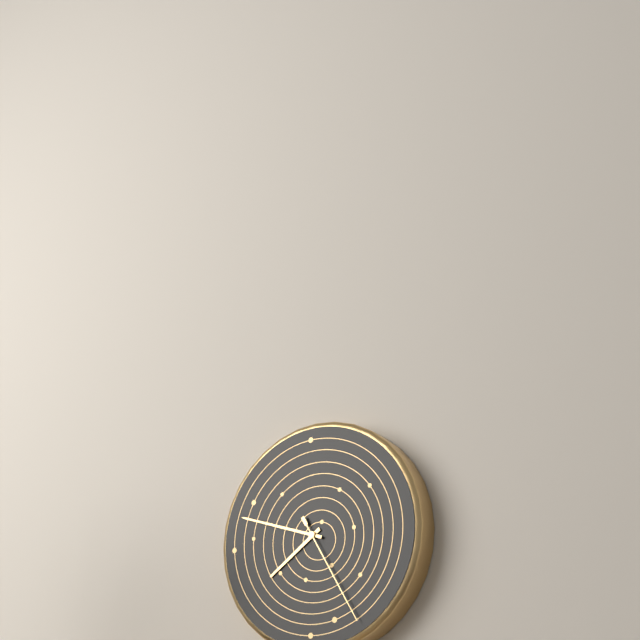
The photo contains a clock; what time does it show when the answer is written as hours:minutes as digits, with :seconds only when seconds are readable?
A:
7:48:25
